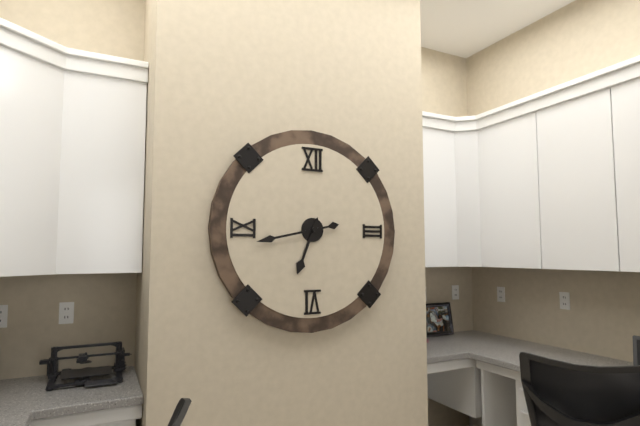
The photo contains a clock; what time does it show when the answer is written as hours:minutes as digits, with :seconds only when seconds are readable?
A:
6:43
